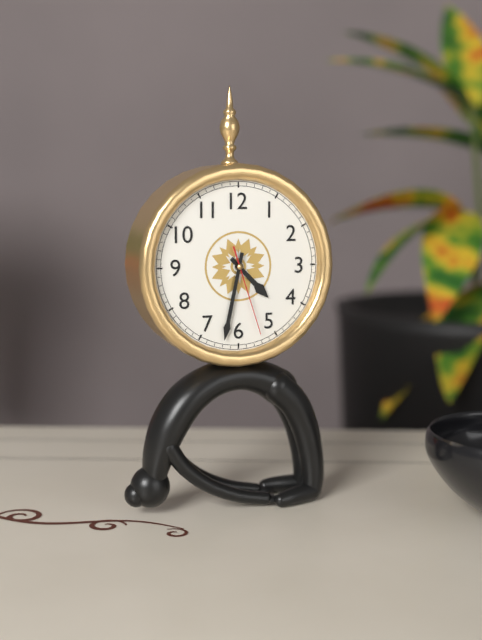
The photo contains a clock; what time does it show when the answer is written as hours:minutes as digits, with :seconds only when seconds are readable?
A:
4:32:27
